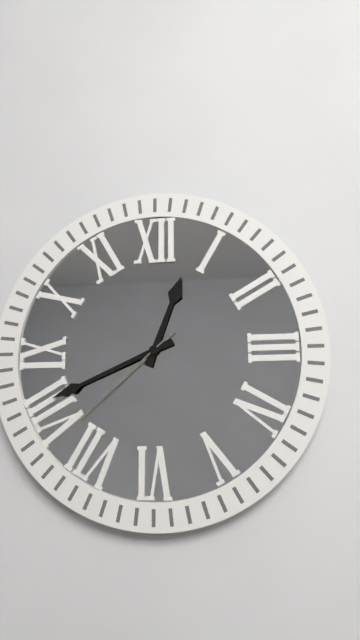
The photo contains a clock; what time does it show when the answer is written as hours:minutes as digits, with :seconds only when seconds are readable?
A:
12:41:38
